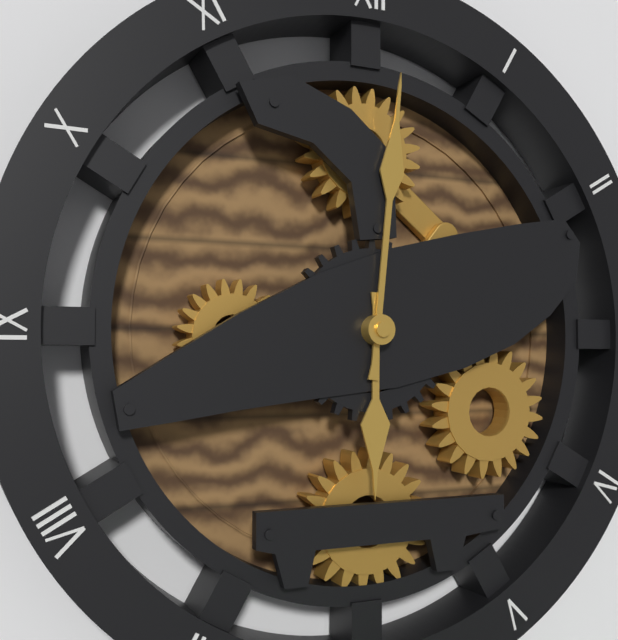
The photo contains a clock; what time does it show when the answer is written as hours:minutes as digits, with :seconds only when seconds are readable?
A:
6:01
